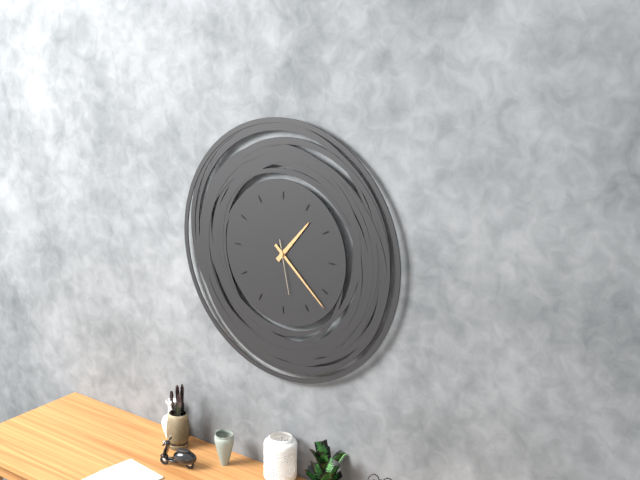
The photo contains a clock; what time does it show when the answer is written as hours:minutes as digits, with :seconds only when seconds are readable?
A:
1:22:28
